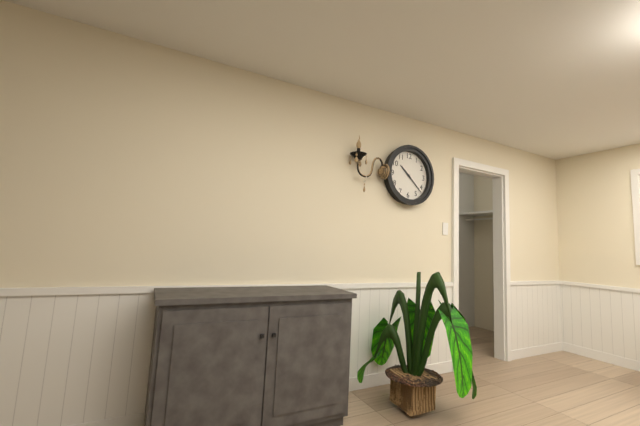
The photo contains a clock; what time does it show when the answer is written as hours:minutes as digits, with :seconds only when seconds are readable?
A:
10:22
